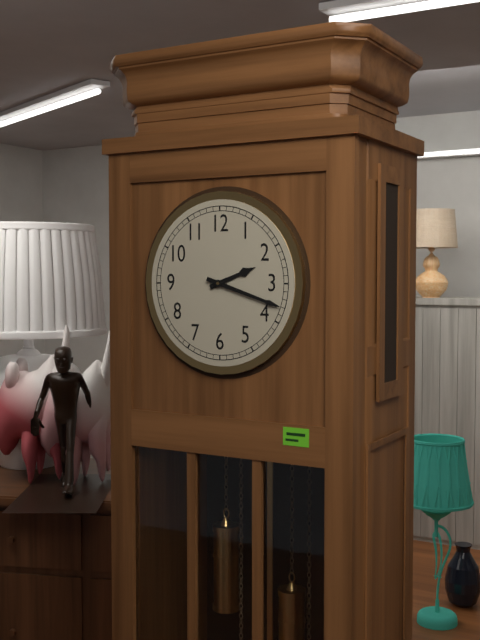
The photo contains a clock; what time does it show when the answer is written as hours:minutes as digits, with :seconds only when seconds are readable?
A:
2:18
